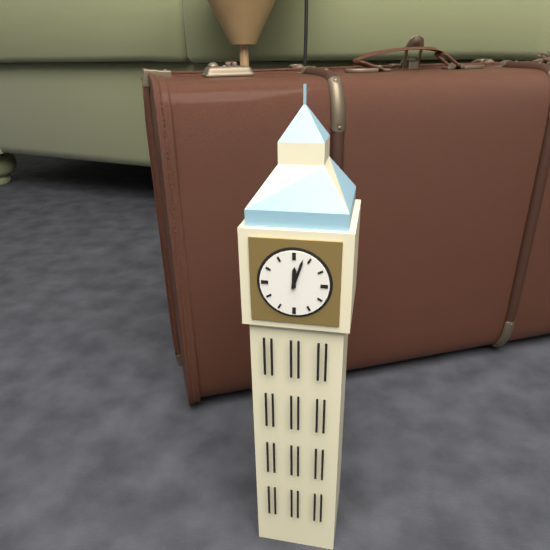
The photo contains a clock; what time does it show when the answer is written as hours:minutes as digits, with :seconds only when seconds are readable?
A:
12:03
